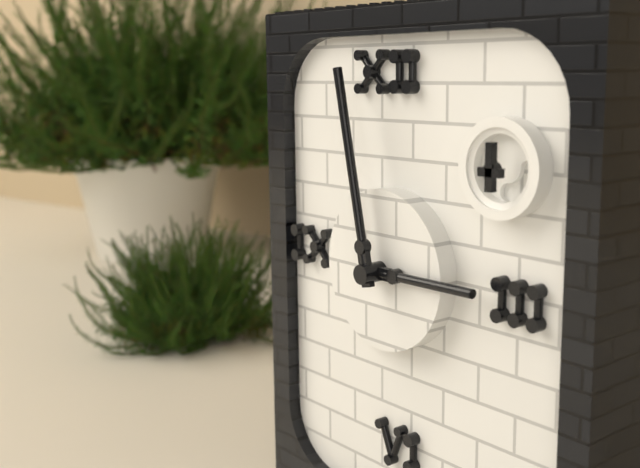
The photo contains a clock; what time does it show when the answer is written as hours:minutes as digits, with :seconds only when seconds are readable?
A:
2:58
